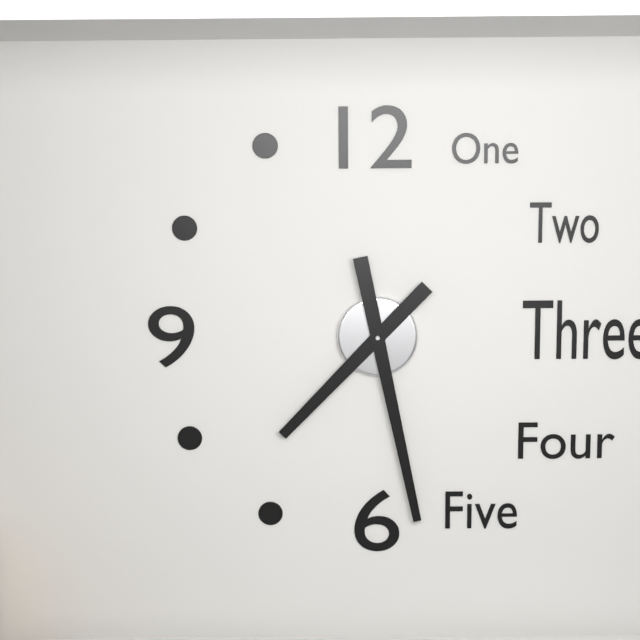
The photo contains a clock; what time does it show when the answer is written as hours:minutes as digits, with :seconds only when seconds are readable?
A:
7:28
